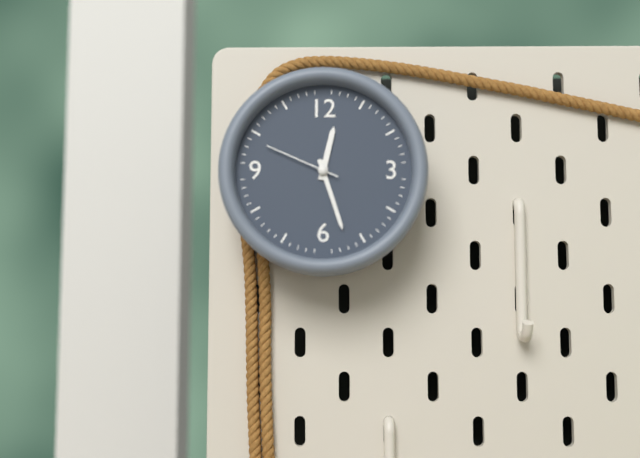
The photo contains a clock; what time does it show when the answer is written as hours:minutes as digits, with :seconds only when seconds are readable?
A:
12:27:49
